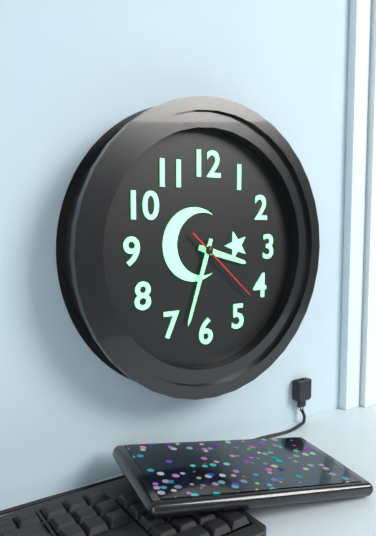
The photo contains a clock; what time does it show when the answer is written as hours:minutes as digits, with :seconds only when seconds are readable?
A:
3:33:22
